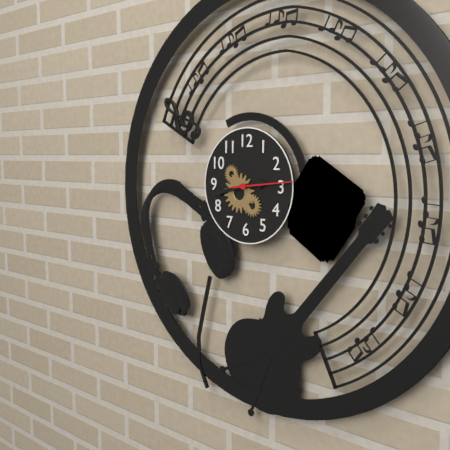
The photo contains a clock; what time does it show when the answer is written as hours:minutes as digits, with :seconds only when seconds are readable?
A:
2:43:14
